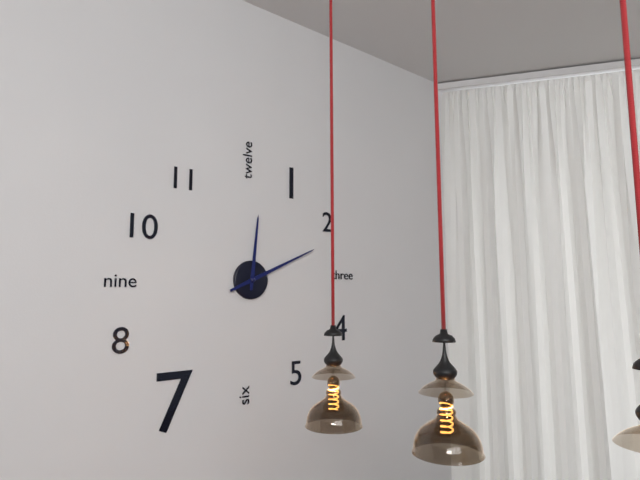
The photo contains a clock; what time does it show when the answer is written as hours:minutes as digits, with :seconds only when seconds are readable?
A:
12:11
